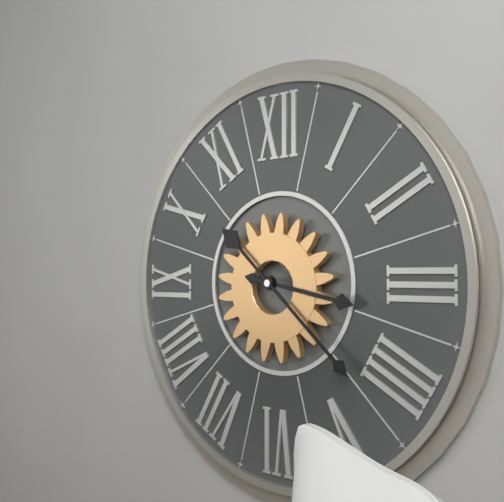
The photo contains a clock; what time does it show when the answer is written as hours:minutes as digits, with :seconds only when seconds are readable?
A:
3:22
